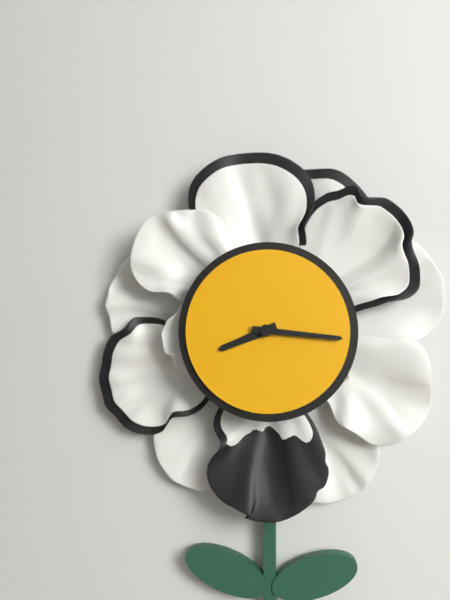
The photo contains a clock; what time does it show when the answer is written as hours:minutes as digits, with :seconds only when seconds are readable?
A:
8:16
